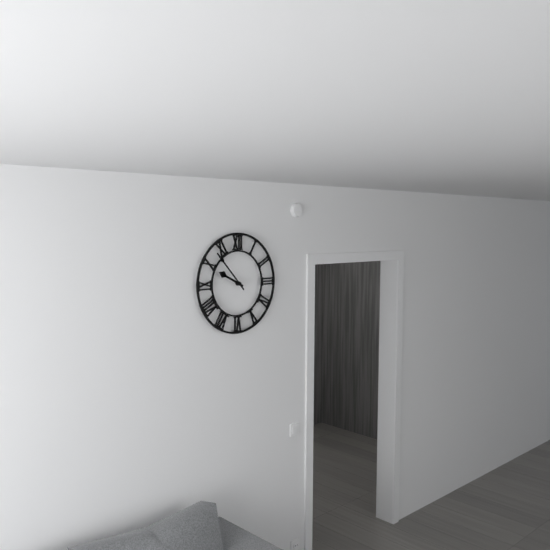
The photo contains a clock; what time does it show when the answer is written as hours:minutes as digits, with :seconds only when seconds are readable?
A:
9:53
